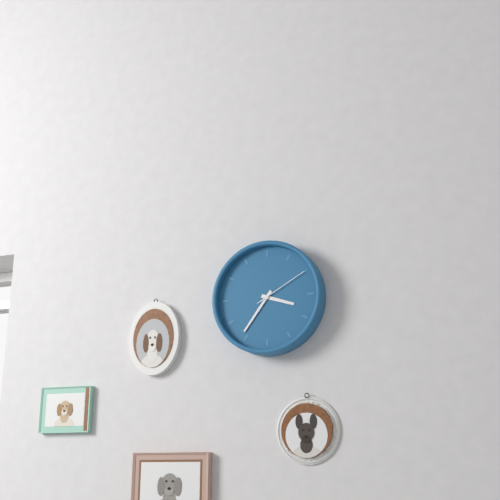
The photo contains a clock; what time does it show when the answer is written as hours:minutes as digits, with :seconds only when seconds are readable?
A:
3:36:10
